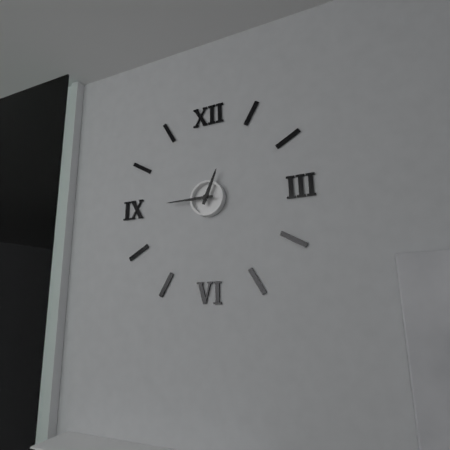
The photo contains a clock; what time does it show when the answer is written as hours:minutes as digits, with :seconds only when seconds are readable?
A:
12:45
